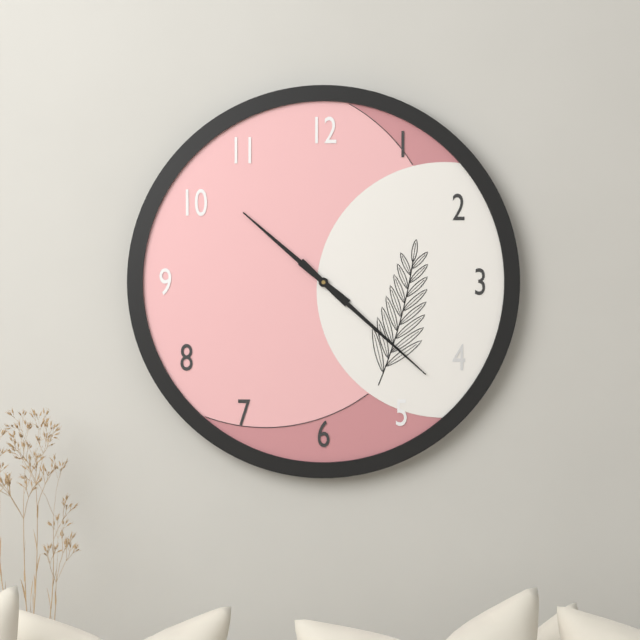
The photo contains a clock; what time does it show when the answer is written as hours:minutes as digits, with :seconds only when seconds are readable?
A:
10:22
